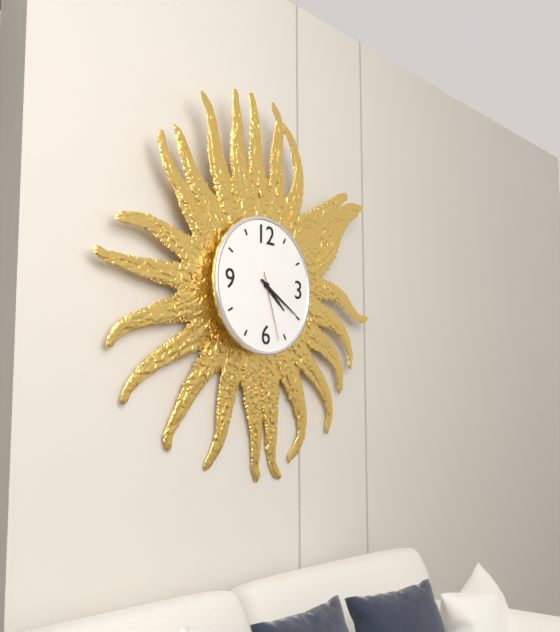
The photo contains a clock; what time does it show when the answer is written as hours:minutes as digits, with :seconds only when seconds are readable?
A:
4:20:27
